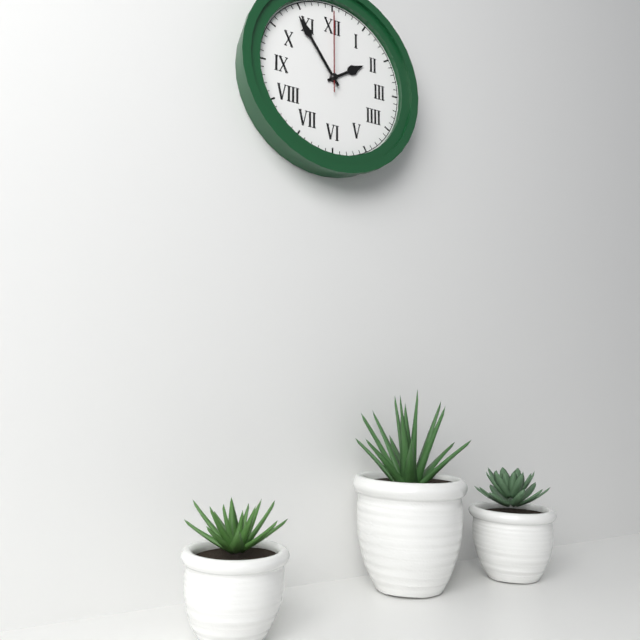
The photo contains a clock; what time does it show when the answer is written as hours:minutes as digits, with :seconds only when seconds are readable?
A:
1:54:00
